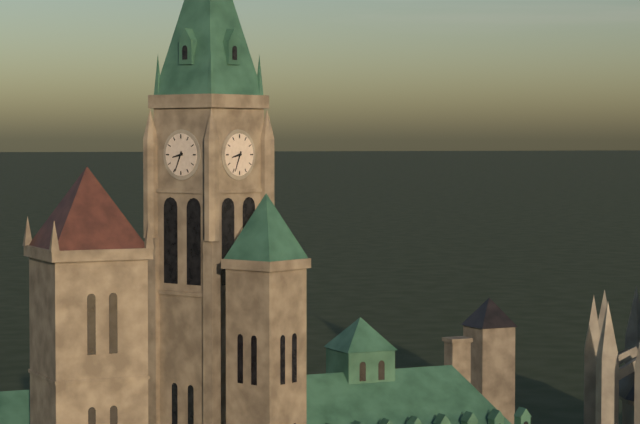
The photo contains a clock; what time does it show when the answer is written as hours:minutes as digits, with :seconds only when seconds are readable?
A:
8:34
